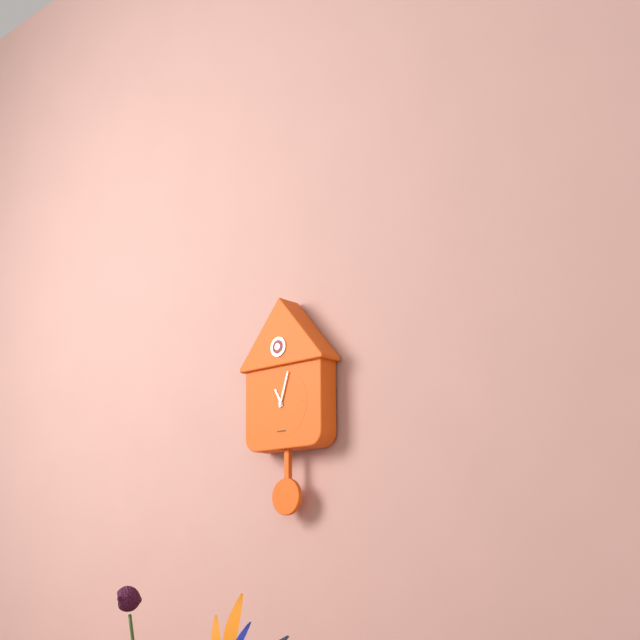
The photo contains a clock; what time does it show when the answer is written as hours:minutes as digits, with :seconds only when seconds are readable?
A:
11:03
